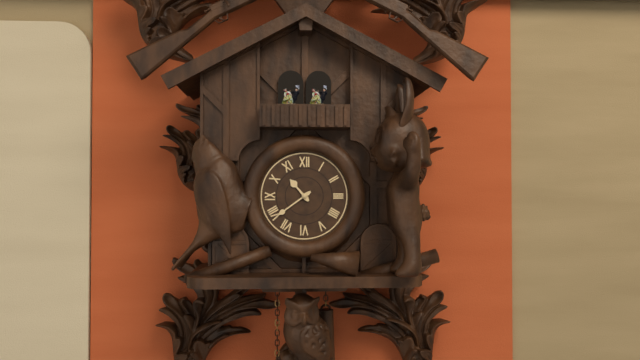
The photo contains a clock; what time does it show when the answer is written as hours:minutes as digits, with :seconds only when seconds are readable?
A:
10:39
